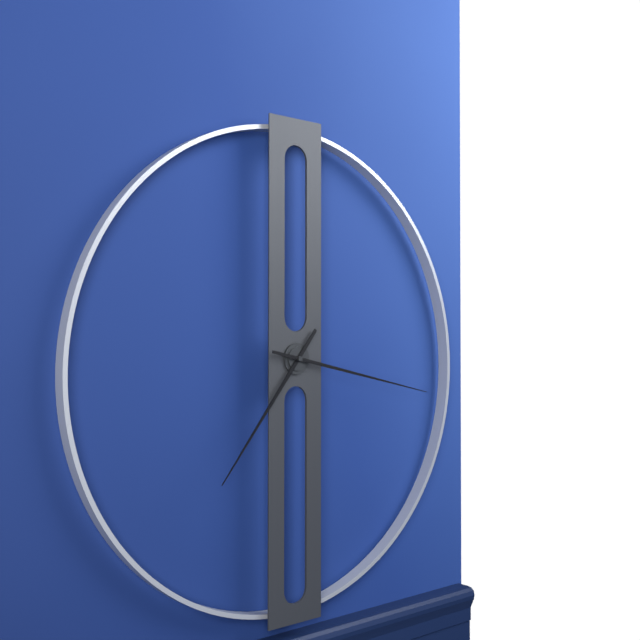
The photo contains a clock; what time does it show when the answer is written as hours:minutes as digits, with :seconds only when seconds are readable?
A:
7:17
